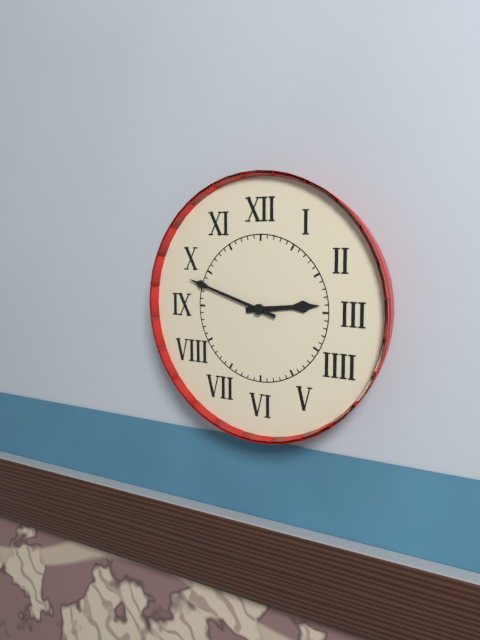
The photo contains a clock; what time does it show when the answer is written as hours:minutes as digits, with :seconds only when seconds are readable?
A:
2:48
